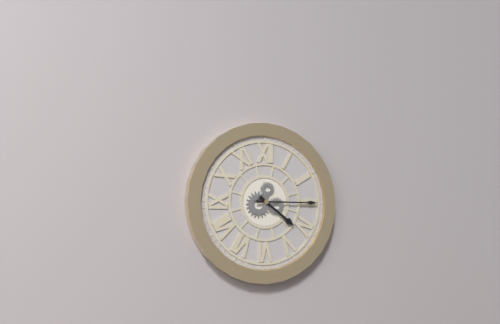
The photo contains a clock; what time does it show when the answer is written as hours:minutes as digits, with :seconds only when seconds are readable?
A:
4:15
